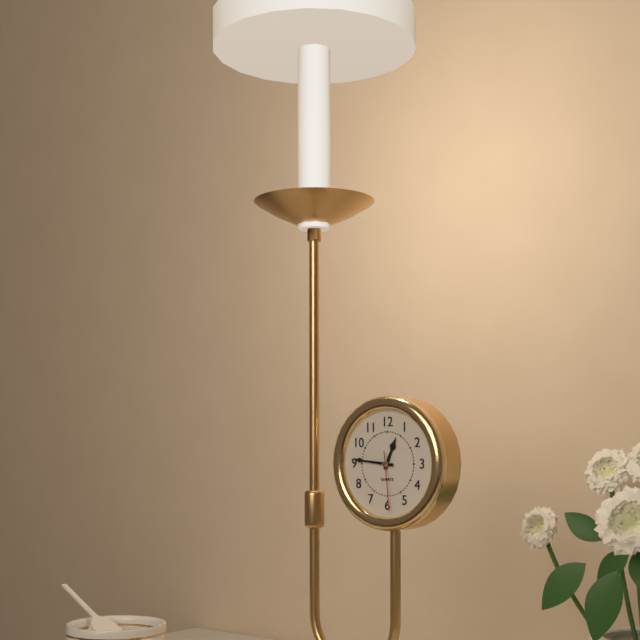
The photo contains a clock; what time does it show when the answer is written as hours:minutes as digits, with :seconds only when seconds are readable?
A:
12:46:29
